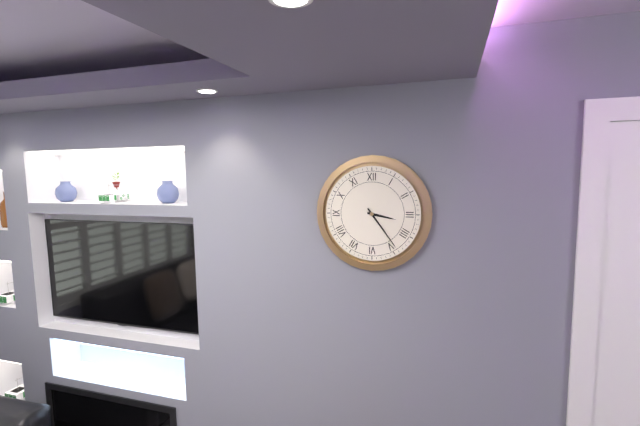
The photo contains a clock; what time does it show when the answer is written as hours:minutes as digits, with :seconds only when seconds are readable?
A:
3:24
